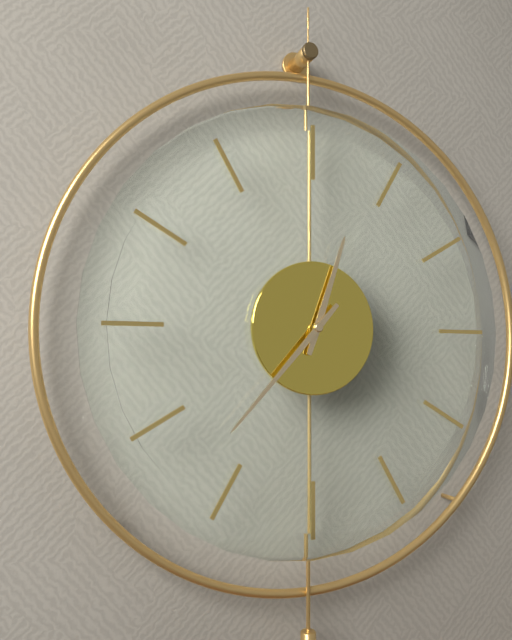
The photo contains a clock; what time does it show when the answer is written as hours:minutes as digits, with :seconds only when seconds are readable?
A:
12:37
